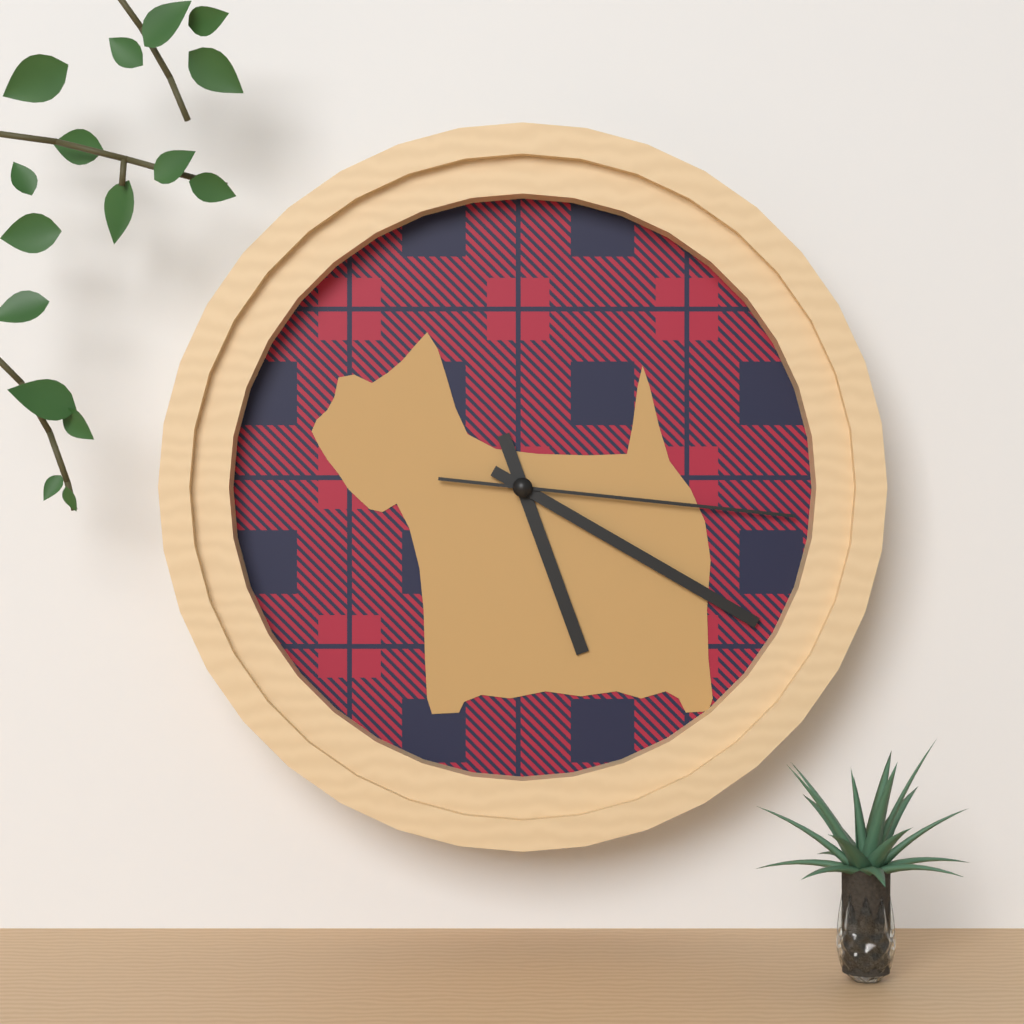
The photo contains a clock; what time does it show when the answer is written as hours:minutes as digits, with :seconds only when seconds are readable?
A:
5:20:16
